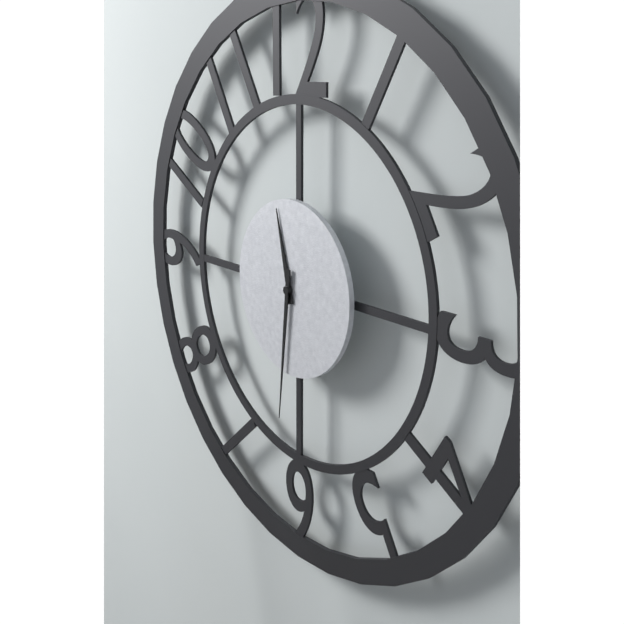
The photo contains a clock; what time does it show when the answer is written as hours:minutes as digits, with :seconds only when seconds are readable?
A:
11:31
